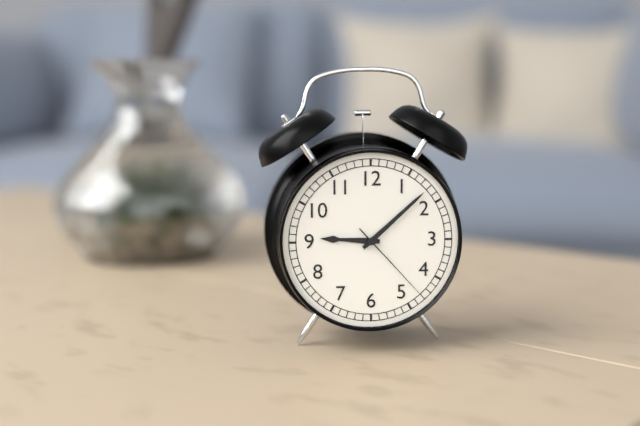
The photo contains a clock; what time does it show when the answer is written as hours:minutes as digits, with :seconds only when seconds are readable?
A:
9:08:23
